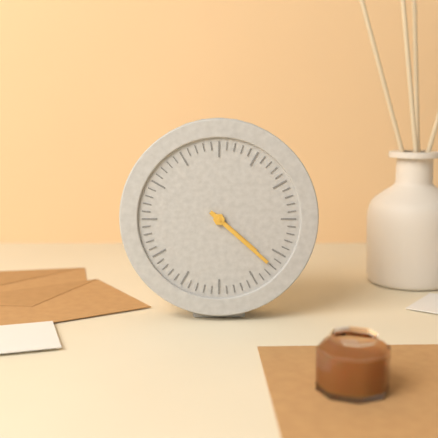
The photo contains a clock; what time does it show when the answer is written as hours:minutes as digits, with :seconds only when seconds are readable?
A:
4:22
